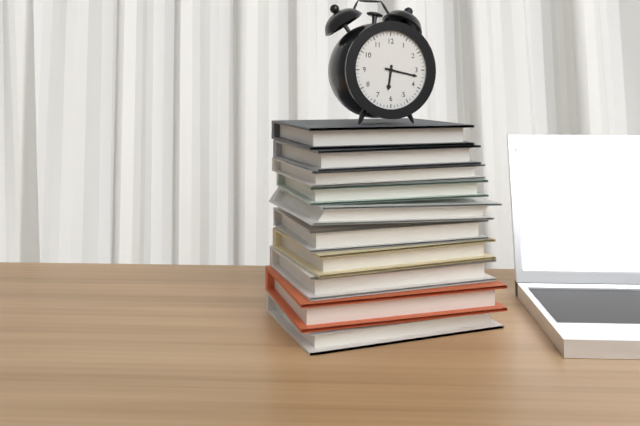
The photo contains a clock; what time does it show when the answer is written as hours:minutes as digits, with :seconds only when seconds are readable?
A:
6:17
